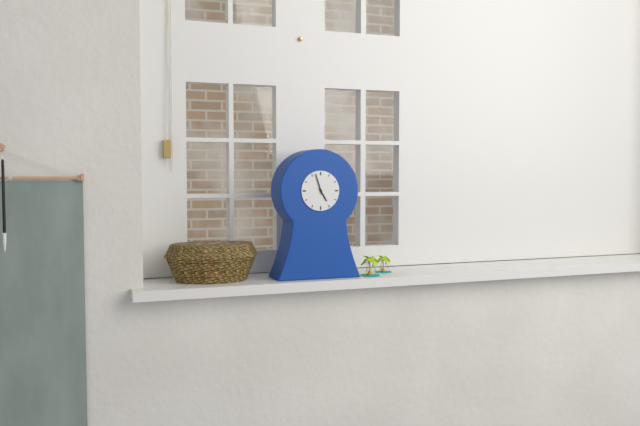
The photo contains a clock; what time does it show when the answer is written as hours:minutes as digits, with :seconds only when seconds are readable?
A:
4:57
